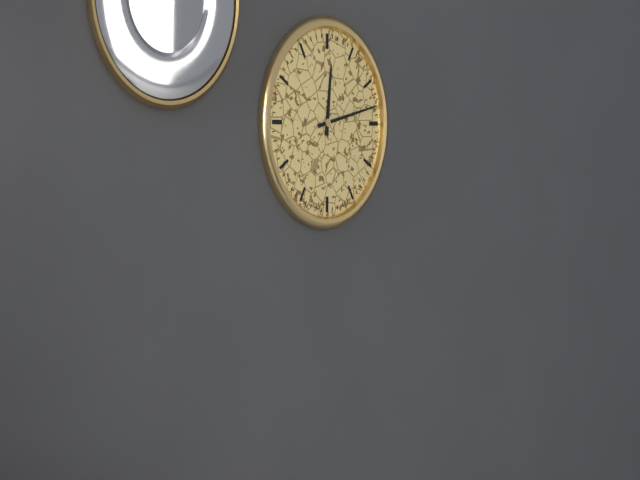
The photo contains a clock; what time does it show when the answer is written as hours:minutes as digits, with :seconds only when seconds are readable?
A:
12:13
